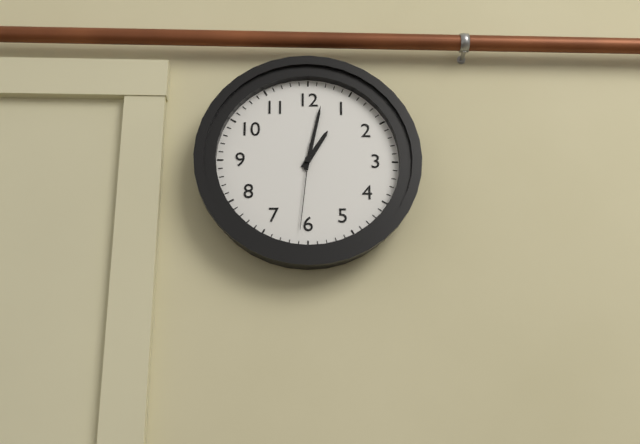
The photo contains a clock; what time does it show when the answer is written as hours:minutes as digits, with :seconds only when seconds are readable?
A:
1:02:31
